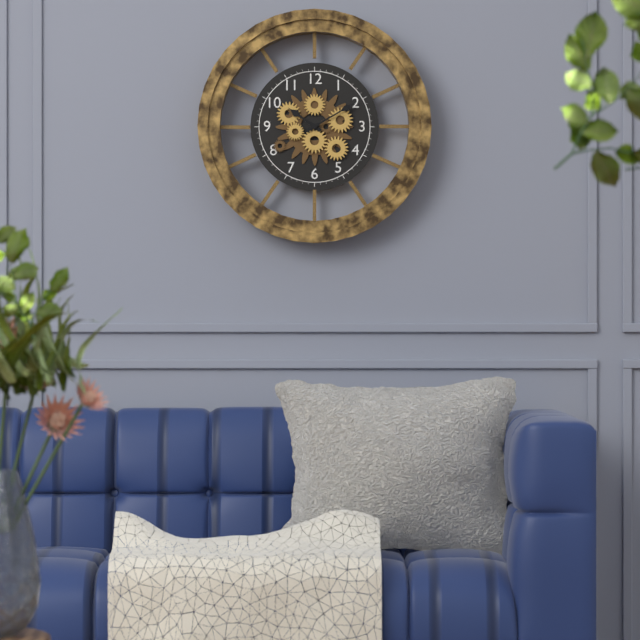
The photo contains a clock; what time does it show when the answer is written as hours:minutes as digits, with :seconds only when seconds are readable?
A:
10:10
